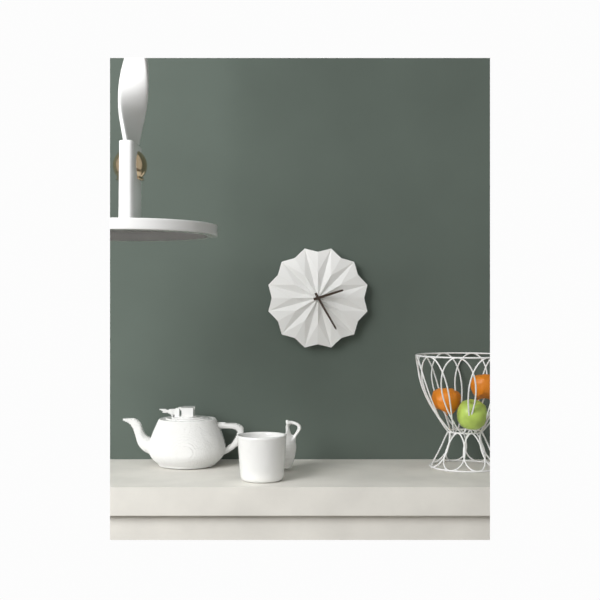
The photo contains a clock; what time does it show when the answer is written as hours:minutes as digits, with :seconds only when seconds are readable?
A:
2:25
